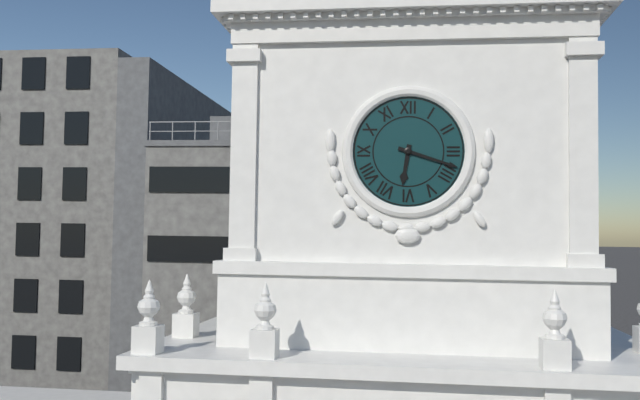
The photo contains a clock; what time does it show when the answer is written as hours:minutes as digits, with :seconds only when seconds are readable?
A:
6:18
